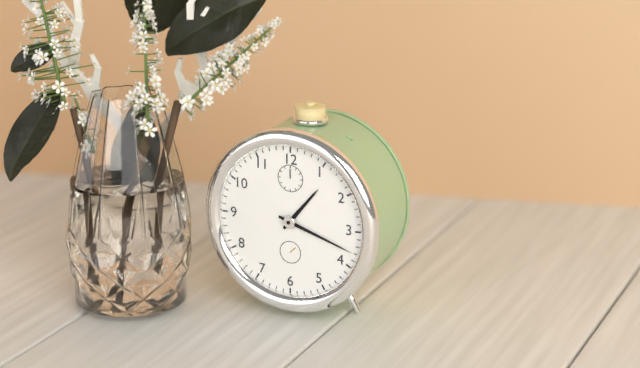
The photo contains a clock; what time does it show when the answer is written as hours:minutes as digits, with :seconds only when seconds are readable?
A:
1:18
